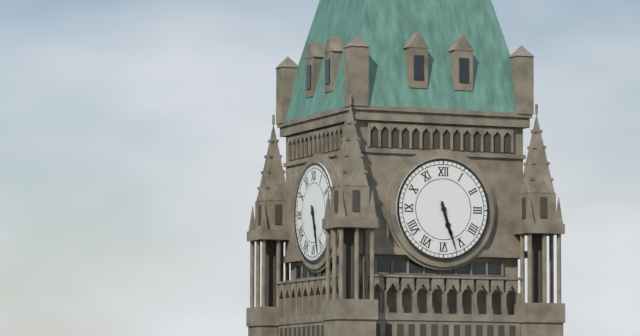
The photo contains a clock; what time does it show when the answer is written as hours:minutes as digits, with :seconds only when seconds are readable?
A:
5:27
